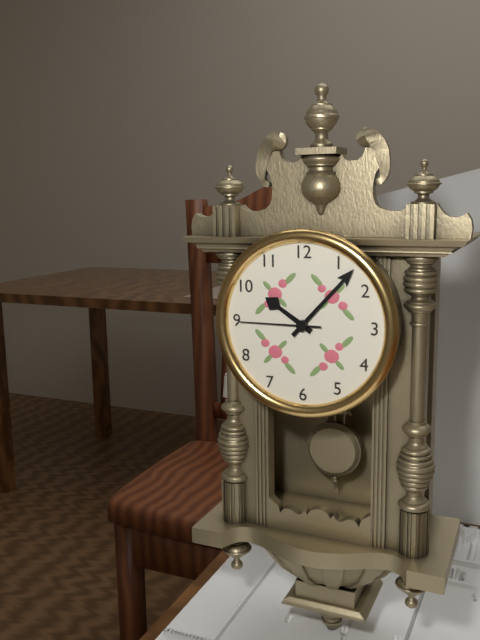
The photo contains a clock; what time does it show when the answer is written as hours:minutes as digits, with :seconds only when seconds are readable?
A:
10:07:45
